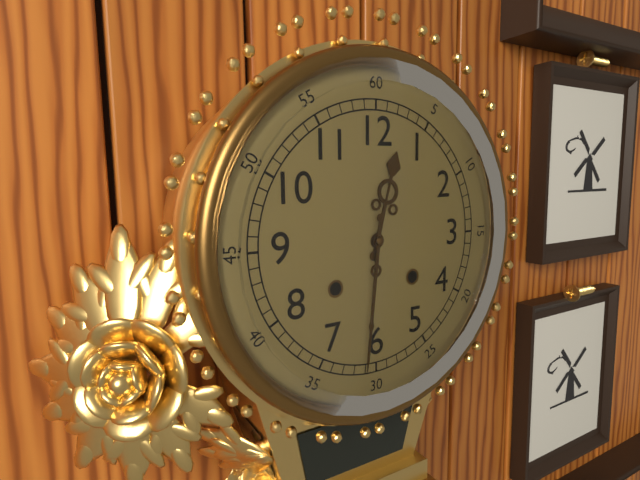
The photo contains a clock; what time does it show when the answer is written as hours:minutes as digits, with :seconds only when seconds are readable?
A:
12:31
